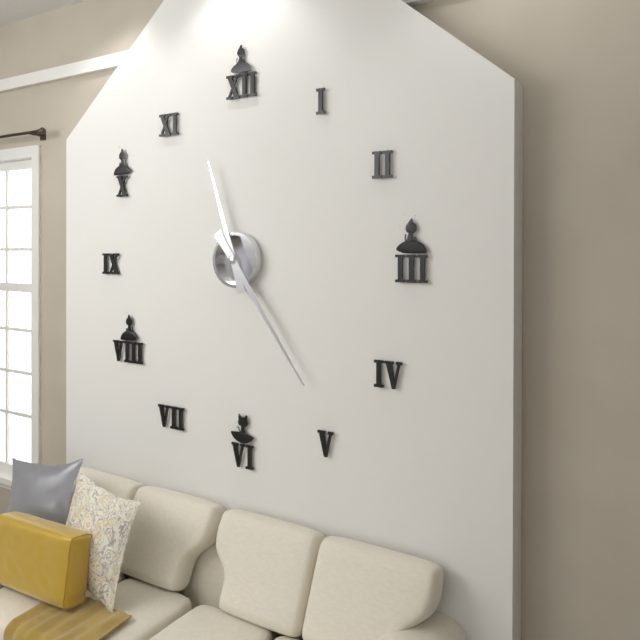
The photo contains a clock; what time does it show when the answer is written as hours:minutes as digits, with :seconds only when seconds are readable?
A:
11:24
